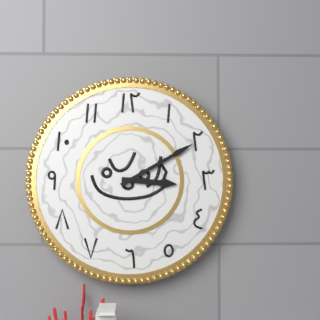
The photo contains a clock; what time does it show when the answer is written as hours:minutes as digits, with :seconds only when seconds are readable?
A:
3:10
